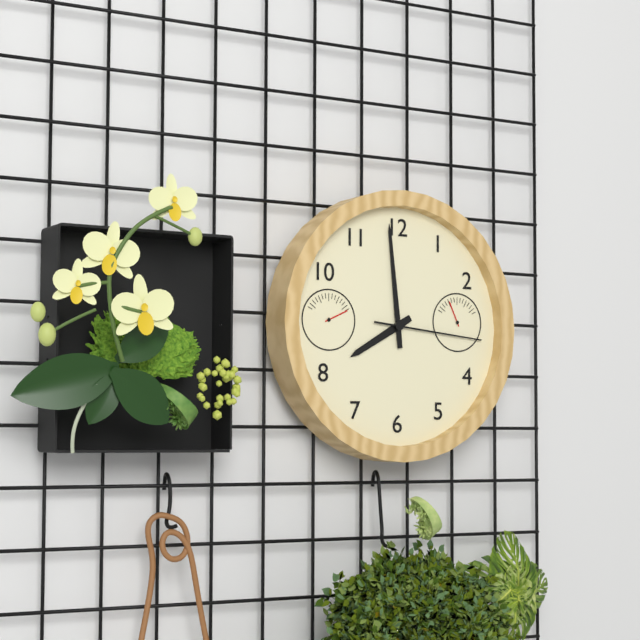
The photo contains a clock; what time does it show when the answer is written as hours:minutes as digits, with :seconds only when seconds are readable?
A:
7:59:16
